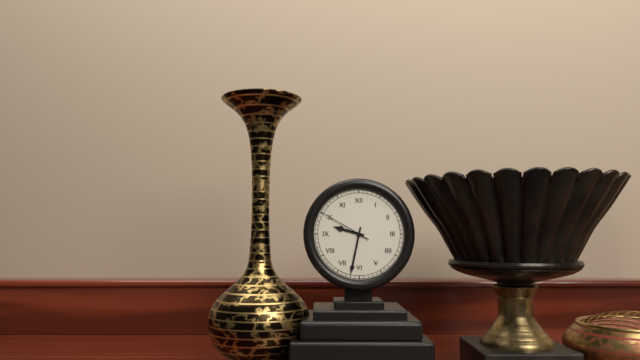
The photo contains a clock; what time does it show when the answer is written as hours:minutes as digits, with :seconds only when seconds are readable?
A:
9:32:50
